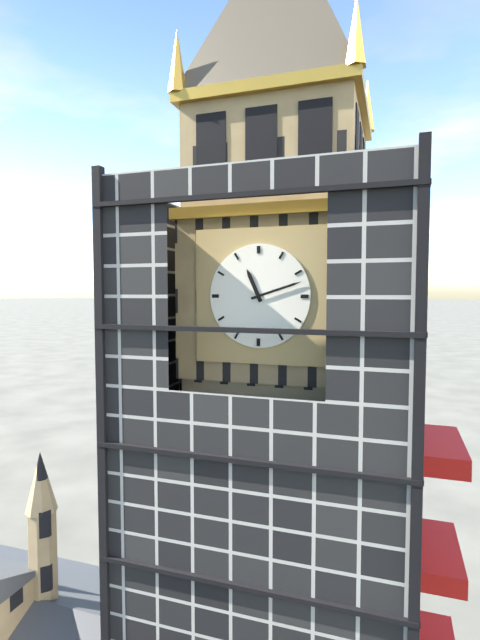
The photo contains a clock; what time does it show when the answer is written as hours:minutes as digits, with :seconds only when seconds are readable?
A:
11:12
